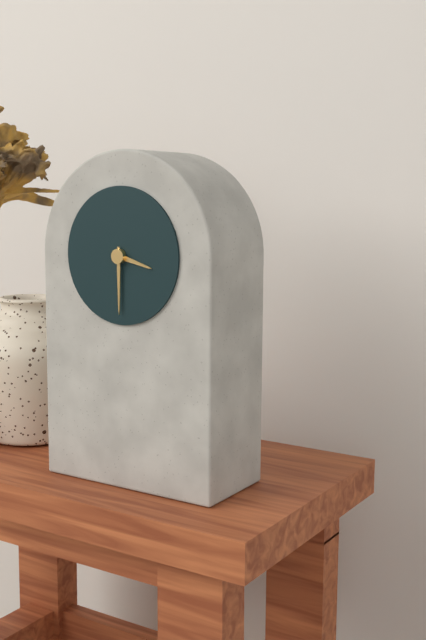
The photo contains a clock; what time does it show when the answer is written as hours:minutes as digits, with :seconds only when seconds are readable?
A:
3:30
